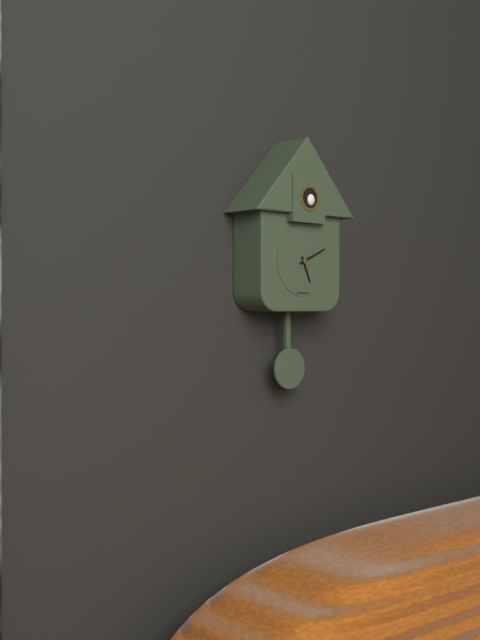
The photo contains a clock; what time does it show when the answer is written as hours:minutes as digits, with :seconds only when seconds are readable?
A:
5:11
